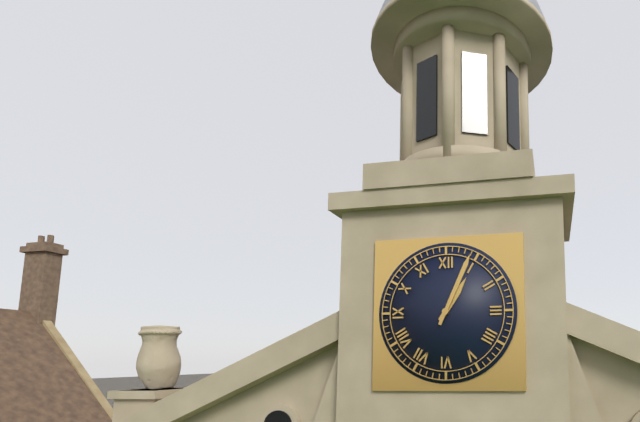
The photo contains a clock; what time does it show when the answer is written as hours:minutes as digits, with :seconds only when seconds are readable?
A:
1:04
